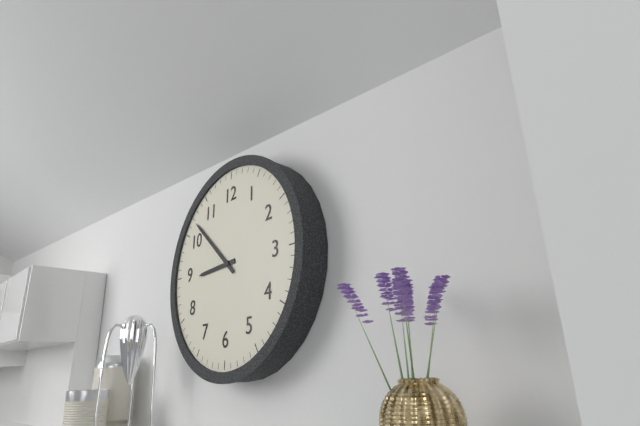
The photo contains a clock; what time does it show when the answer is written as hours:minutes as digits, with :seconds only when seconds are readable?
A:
8:52
